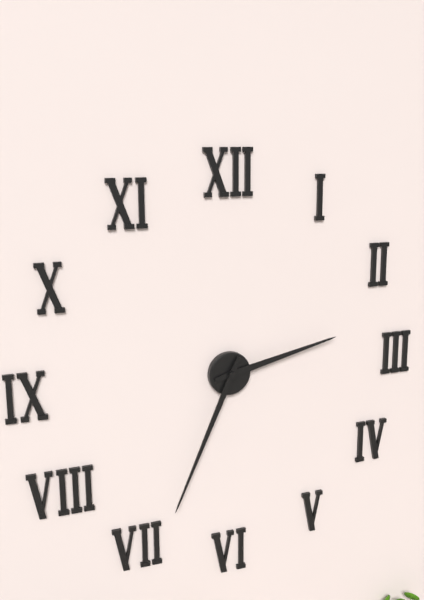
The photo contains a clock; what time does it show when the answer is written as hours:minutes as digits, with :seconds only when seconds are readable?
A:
2:34
